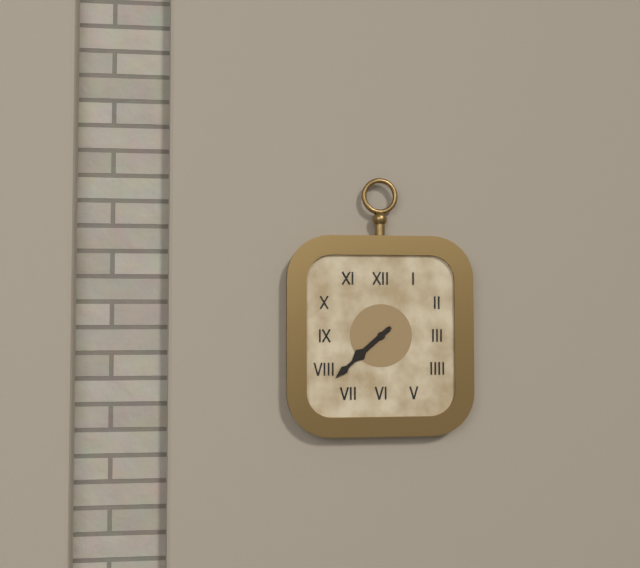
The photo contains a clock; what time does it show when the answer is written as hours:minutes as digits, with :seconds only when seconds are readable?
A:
7:38
